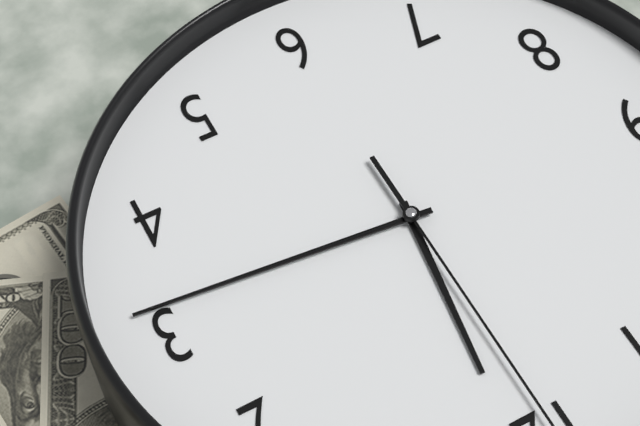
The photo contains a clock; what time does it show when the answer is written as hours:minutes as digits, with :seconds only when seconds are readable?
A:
12:16
